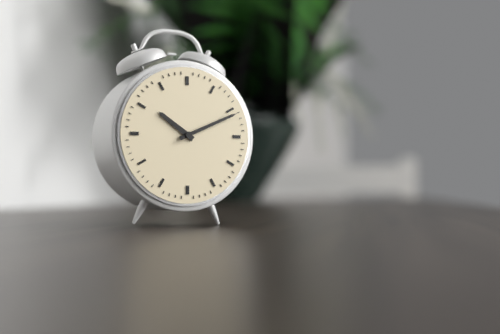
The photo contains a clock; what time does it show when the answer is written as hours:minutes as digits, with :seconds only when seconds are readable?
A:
10:11
